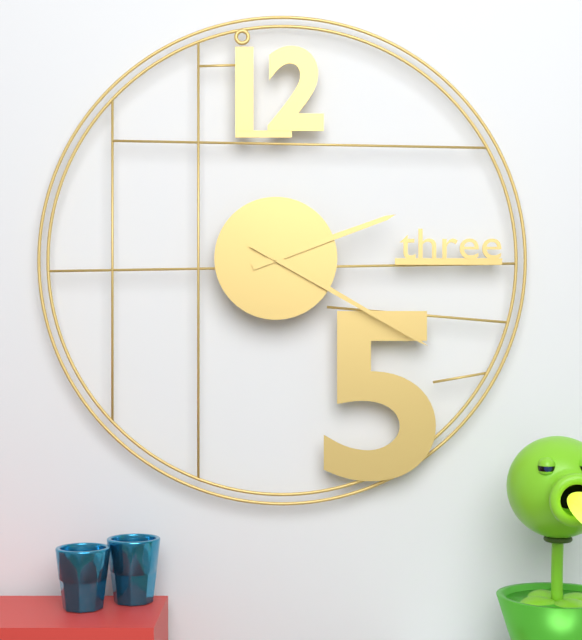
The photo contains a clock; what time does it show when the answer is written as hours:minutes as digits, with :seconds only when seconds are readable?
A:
2:20
